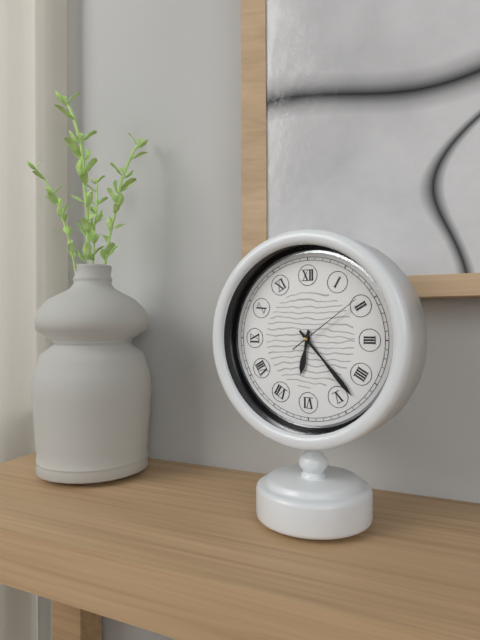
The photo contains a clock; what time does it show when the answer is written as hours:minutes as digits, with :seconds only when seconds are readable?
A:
6:23:09
